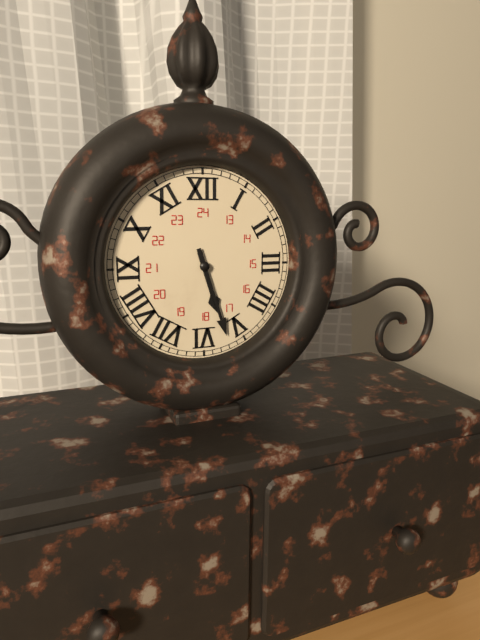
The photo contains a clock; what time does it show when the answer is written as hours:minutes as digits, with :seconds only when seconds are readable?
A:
5:27
